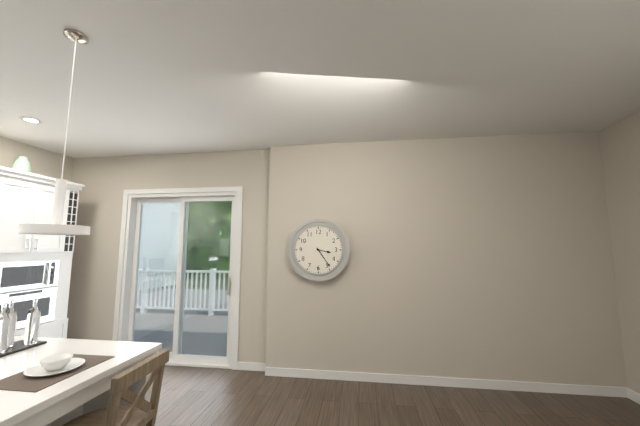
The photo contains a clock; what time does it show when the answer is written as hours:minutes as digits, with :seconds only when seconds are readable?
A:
3:24
